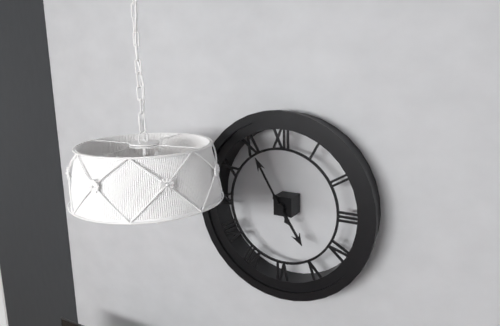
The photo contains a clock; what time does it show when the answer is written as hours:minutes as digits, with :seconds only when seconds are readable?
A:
4:55
